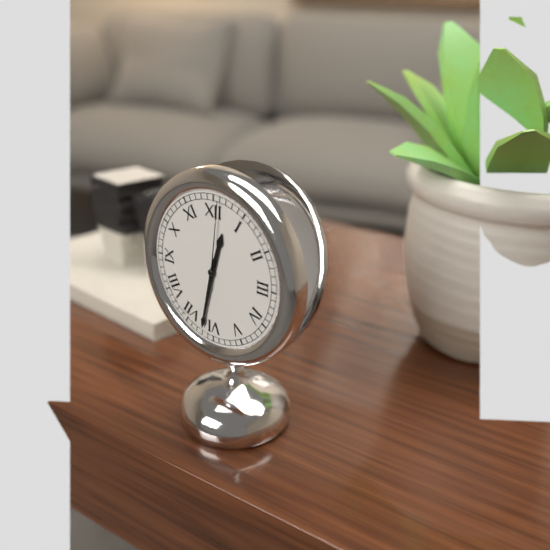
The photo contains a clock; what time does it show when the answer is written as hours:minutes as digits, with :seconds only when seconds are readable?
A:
12:32:01
